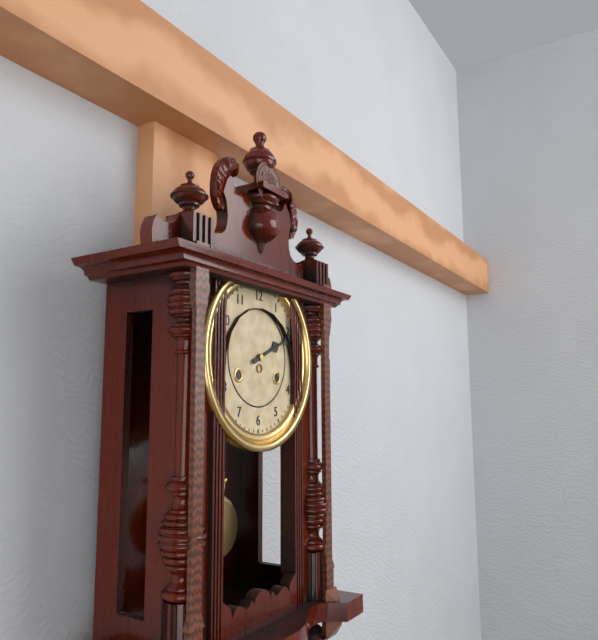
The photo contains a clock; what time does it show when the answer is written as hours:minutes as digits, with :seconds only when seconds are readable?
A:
2:11
